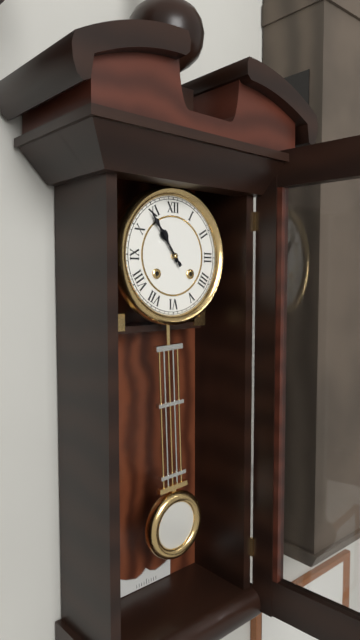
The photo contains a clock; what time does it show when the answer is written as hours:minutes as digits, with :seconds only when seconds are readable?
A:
10:54
